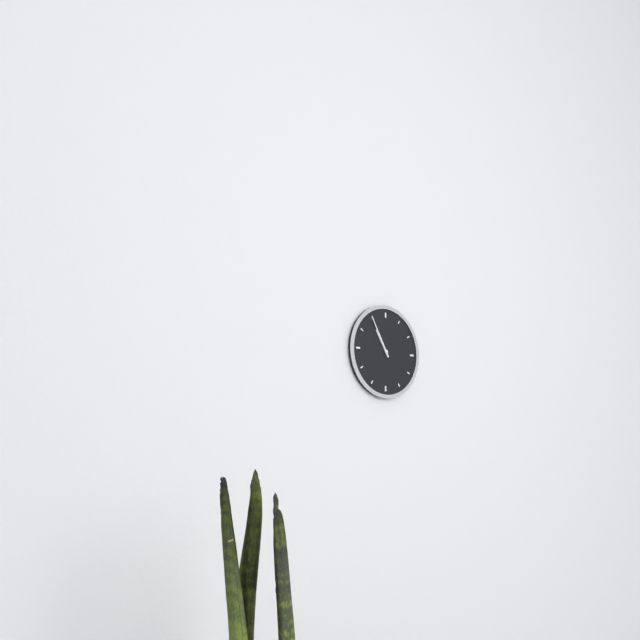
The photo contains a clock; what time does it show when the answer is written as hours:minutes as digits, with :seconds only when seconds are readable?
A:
10:55
